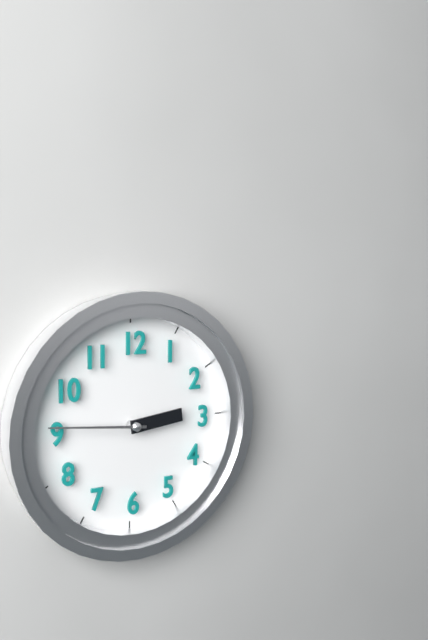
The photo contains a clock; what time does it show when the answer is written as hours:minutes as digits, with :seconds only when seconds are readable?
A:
2:46
